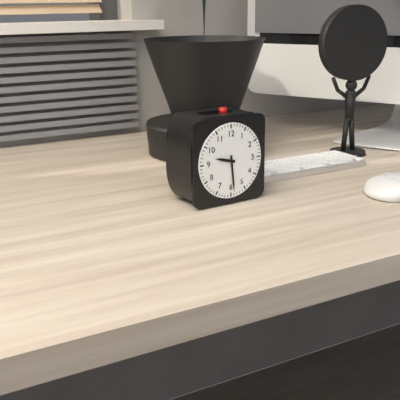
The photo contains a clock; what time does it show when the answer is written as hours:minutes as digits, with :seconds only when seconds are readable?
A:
9:29
